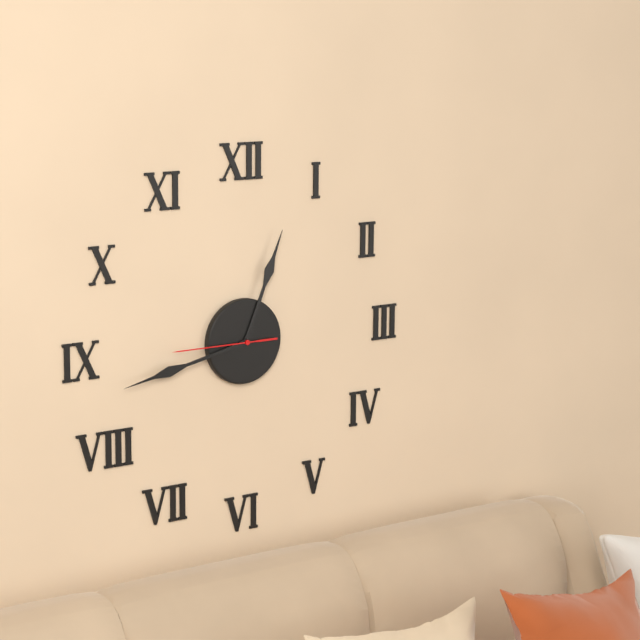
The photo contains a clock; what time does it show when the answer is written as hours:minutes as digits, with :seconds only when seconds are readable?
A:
12:43:45
